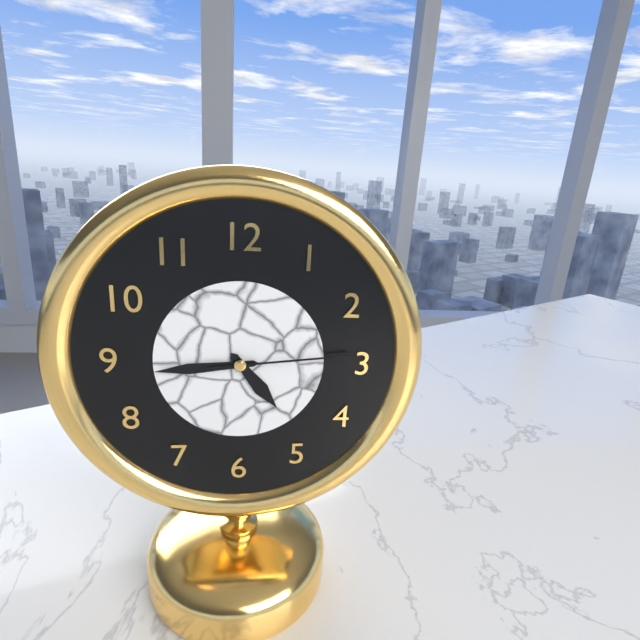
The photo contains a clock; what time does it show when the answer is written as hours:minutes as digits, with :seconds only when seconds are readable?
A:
4:44:14
